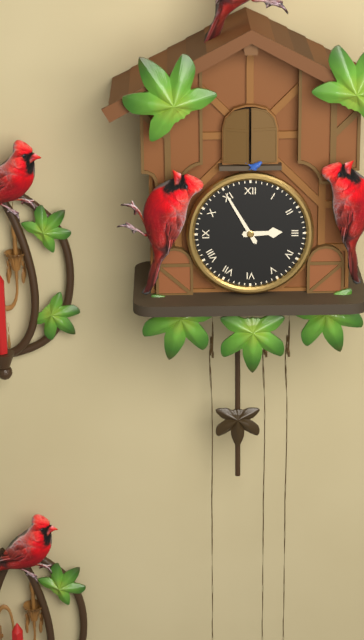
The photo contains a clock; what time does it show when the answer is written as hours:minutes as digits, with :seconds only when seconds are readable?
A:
2:55
